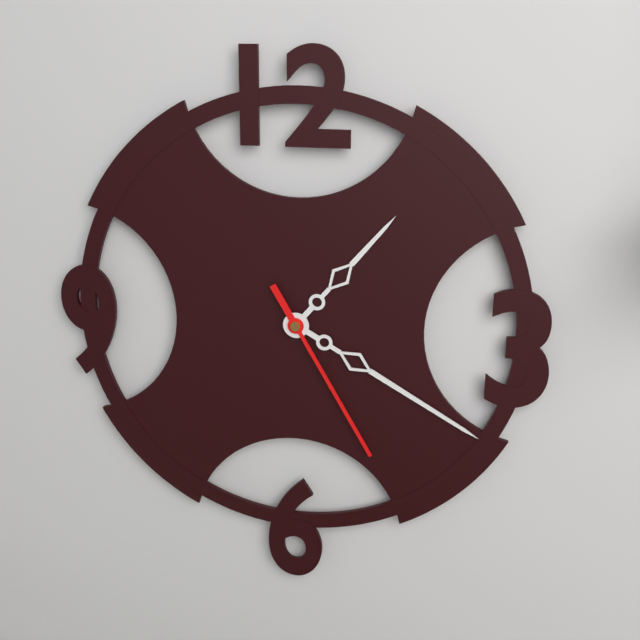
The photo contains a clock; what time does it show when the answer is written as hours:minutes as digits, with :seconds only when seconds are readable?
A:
1:20:25
